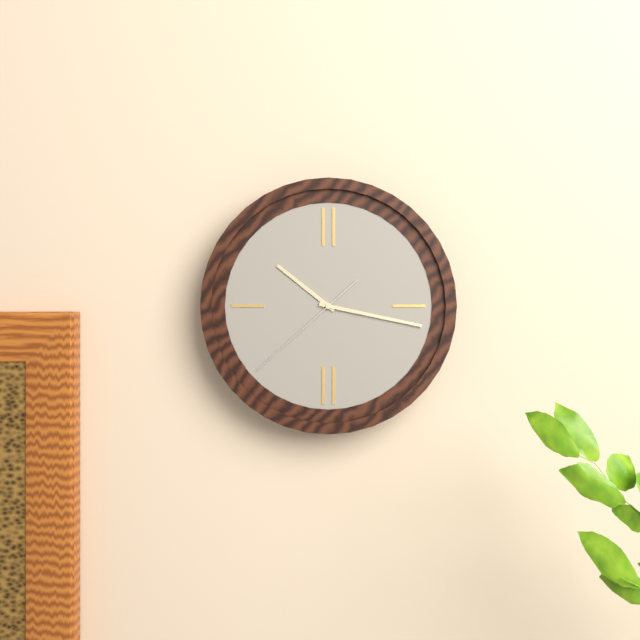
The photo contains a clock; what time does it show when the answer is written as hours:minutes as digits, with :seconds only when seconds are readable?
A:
10:17:38
